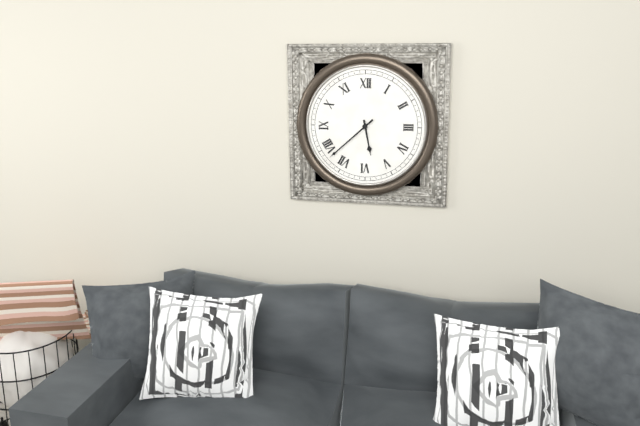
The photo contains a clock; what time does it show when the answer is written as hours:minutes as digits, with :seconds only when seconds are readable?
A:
5:38
